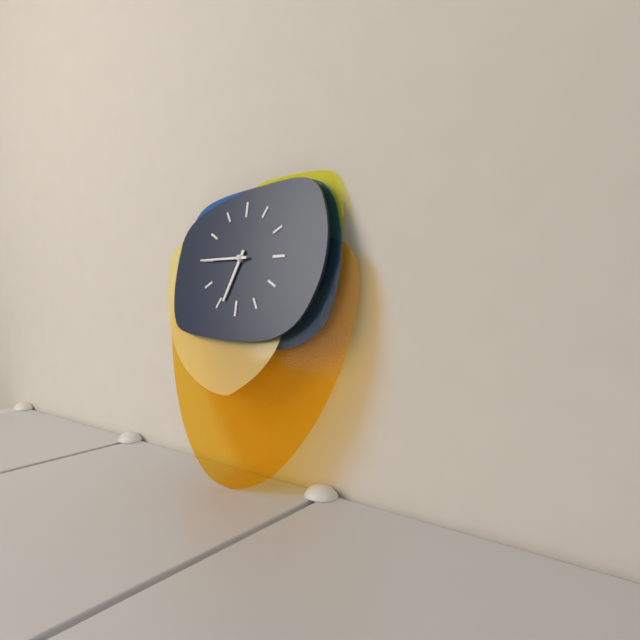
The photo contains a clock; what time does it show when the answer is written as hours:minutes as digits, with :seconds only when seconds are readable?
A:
6:45
